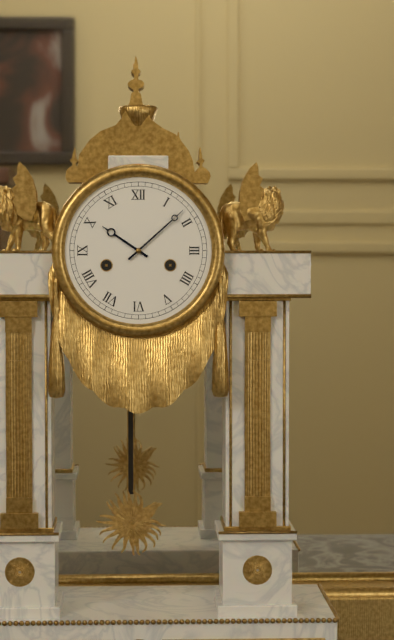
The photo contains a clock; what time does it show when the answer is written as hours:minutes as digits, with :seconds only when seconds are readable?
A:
10:08
